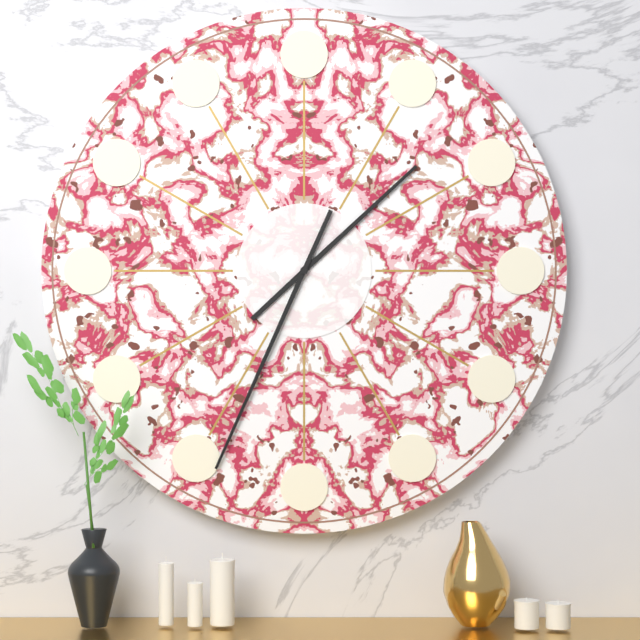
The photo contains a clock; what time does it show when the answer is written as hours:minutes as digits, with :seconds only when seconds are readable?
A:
1:34
